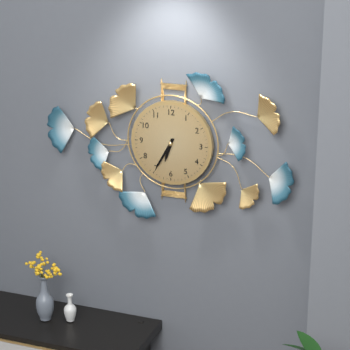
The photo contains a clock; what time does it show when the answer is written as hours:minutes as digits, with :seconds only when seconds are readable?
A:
6:35
